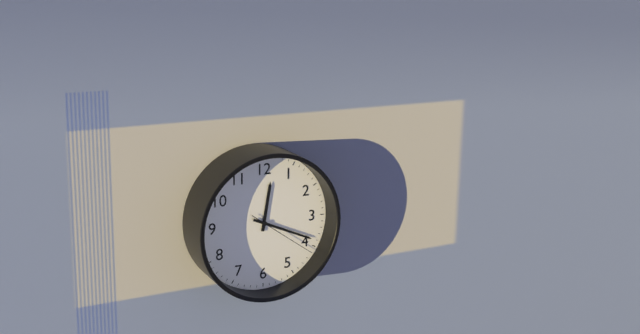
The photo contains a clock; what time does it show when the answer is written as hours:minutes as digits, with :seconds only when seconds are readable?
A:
12:19:21
